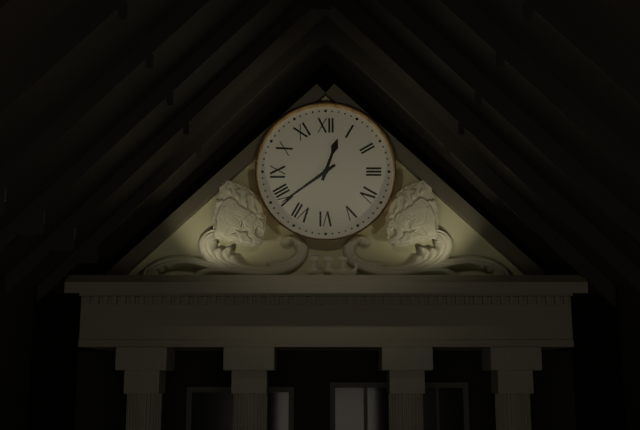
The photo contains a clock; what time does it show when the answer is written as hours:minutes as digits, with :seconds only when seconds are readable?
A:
12:39
